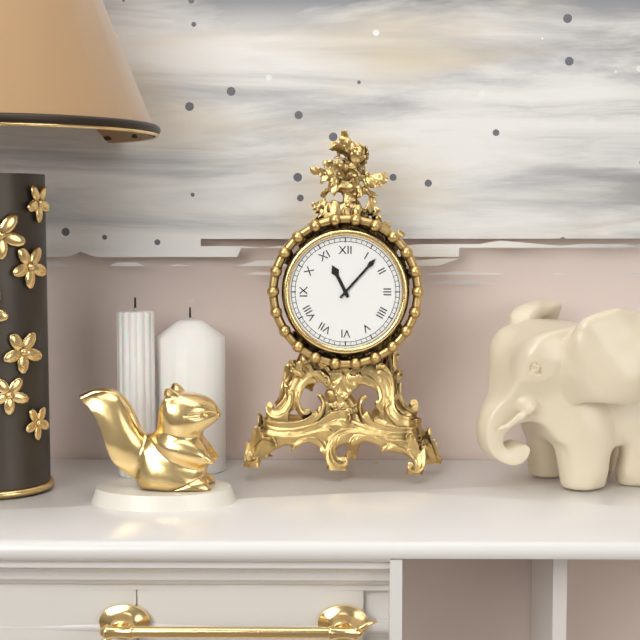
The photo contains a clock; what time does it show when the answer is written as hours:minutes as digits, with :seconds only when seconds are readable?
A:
11:07
